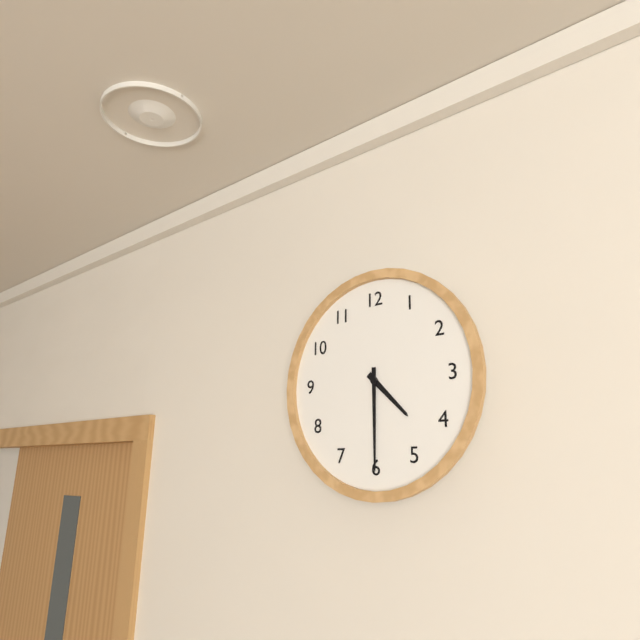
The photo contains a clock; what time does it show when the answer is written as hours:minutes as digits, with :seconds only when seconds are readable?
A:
4:30
